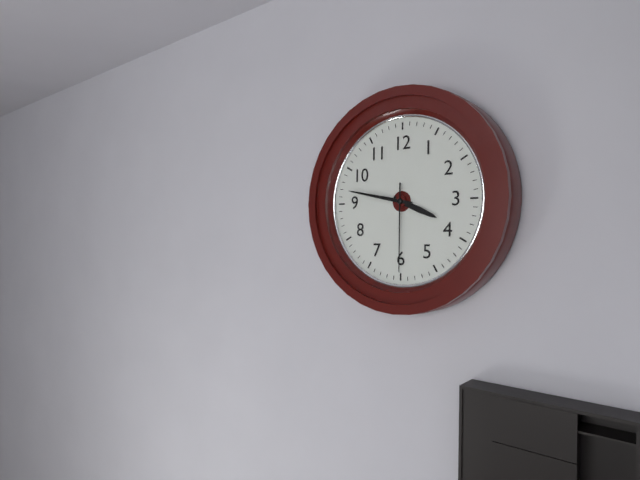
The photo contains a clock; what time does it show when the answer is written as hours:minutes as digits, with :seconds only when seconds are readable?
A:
3:47:30
